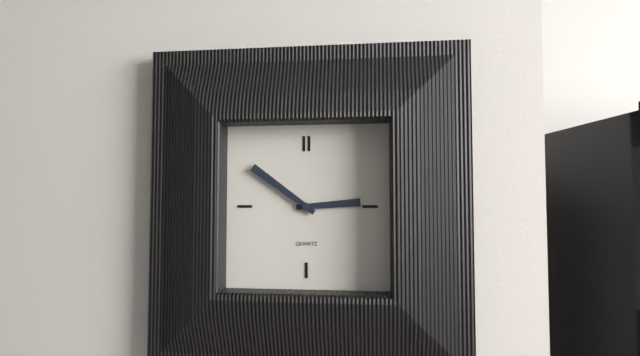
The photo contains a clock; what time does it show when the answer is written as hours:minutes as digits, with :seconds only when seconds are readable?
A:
2:51
